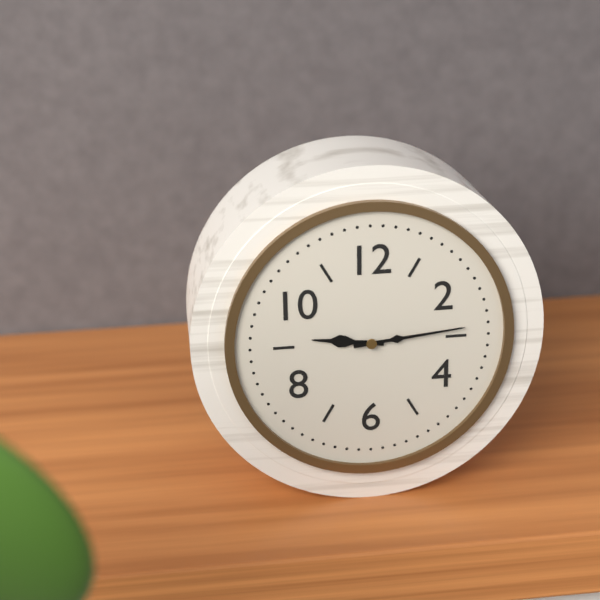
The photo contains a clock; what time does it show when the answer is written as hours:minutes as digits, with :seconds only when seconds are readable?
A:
9:14
